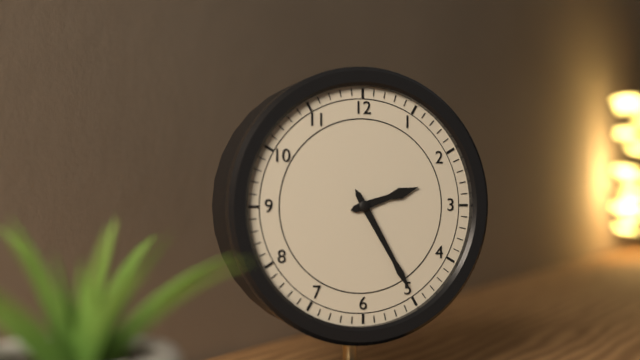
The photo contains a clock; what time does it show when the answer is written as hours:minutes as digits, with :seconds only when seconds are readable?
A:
2:25
